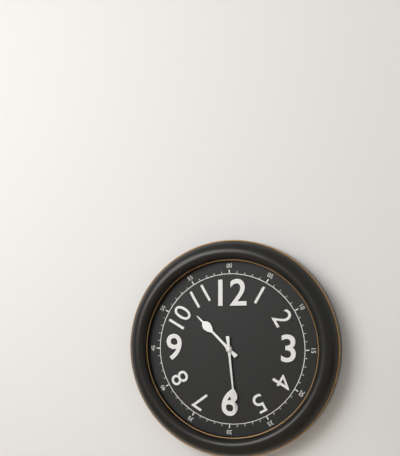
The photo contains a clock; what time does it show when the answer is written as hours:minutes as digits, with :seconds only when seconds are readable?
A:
10:29
